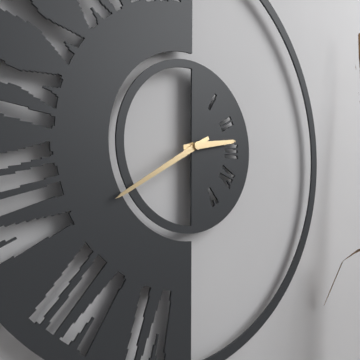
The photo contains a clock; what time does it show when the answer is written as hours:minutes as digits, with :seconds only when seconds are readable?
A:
2:40
